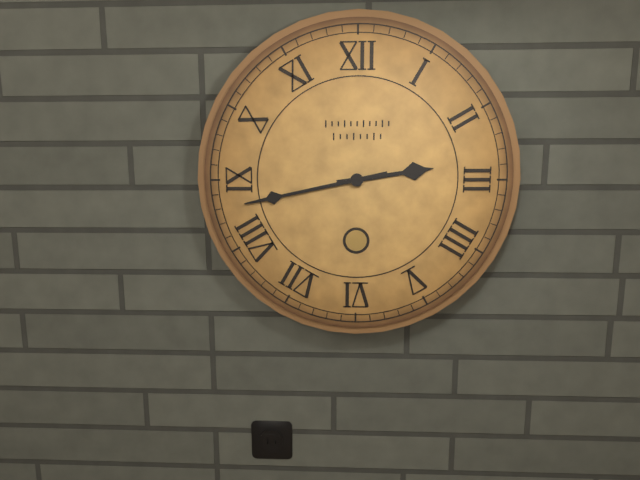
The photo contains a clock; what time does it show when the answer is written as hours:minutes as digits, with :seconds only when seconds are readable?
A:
2:43
